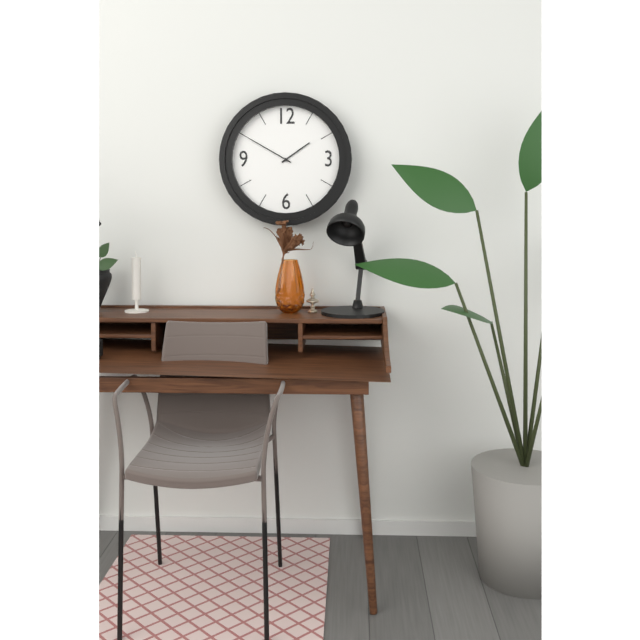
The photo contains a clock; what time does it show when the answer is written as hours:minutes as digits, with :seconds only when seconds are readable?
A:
1:50
